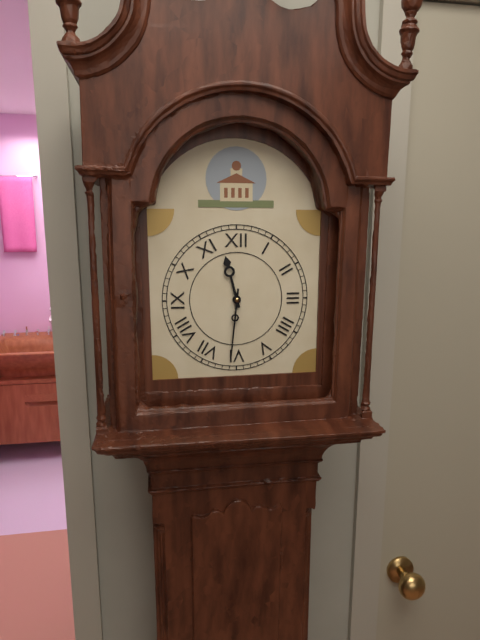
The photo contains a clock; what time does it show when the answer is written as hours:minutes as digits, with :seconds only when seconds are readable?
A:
11:31
